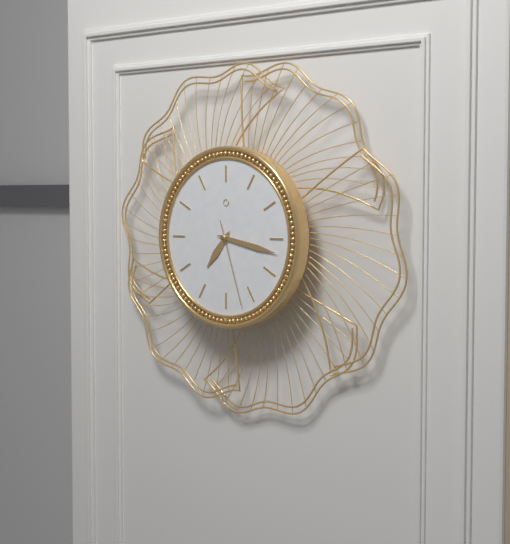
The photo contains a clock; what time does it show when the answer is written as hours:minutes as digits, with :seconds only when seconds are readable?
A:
7:17:27
